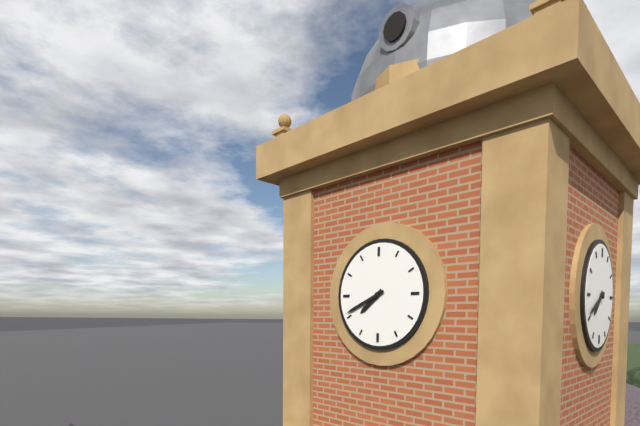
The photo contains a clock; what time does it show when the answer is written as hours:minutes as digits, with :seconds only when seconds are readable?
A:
7:41
